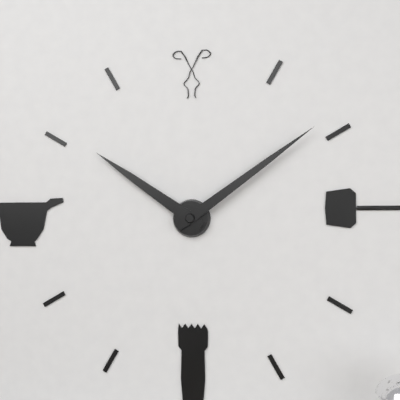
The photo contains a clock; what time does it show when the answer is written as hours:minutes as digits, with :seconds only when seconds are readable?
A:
10:09
